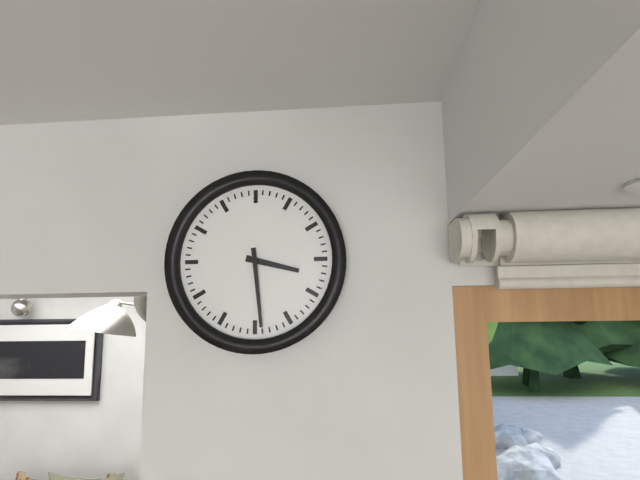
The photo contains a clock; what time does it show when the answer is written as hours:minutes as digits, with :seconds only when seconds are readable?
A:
3:29
